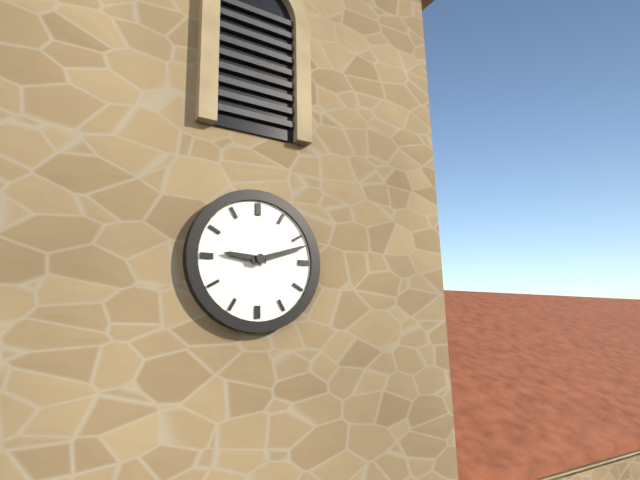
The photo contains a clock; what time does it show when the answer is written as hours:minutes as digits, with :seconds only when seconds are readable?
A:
9:12
